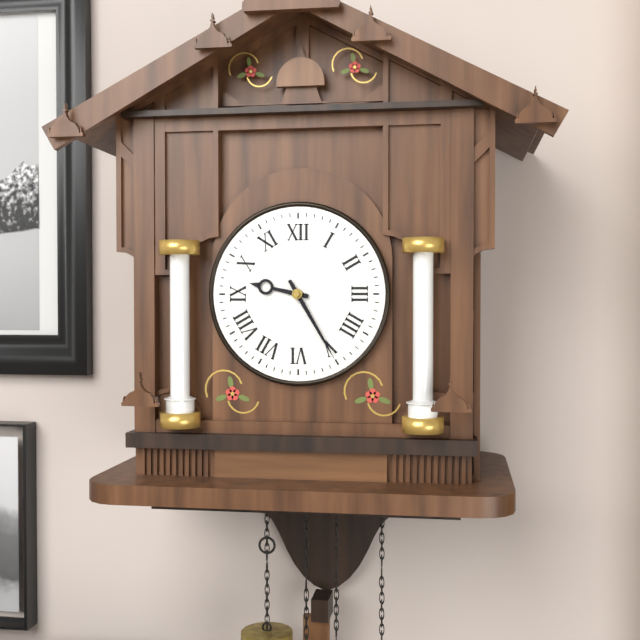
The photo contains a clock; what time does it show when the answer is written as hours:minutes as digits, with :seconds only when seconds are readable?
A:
9:25
